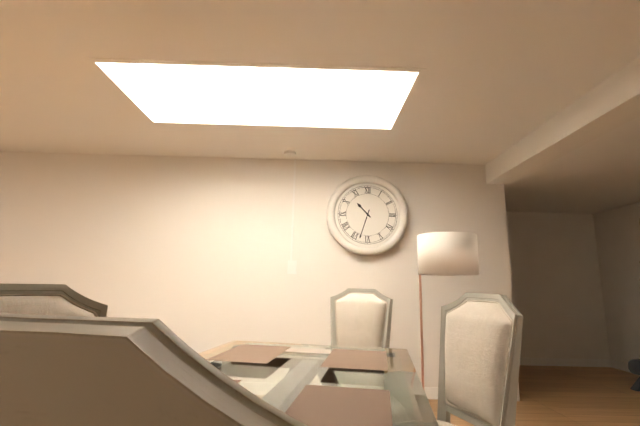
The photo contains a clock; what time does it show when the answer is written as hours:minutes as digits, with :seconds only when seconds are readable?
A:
10:33
